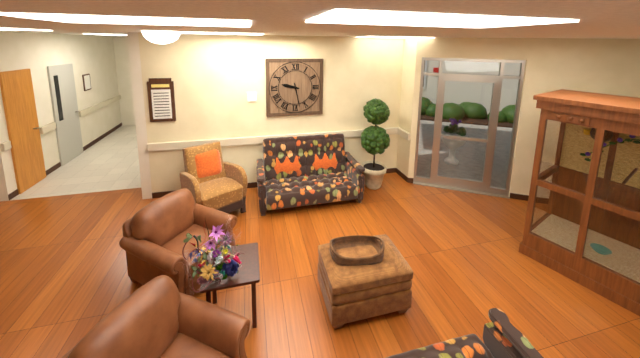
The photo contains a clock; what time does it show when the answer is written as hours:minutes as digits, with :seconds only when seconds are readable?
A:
9:28
